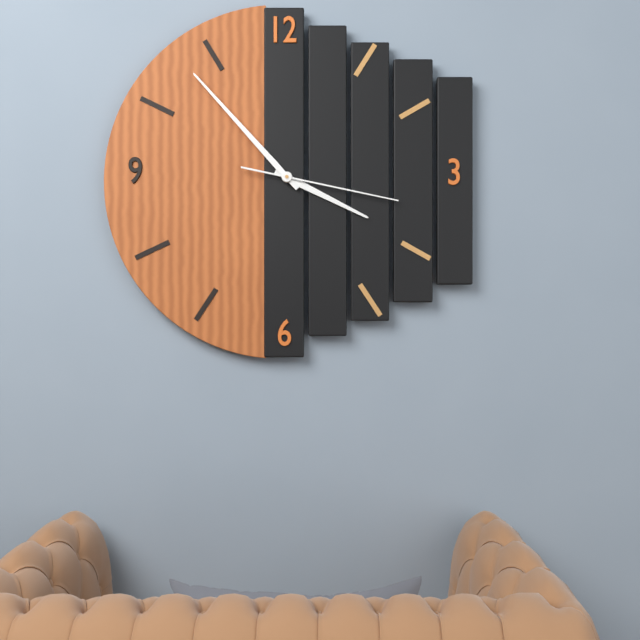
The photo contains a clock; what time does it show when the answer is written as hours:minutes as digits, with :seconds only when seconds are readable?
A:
3:53:17
